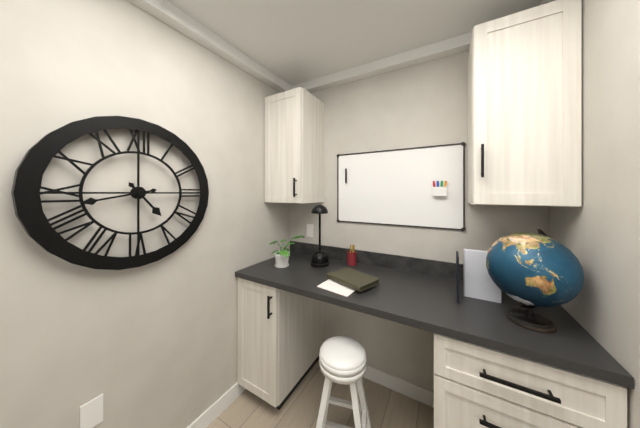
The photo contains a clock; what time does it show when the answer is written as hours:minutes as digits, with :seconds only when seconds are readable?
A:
4:43
